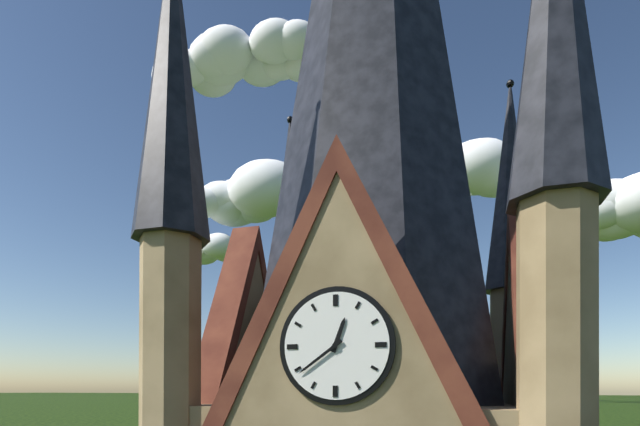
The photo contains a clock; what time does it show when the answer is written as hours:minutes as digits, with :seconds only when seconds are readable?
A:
12:39
